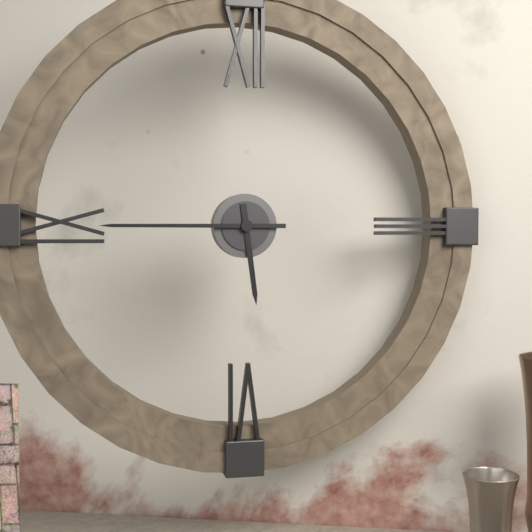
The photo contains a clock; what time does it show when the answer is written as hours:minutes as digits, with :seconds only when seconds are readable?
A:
5:45
